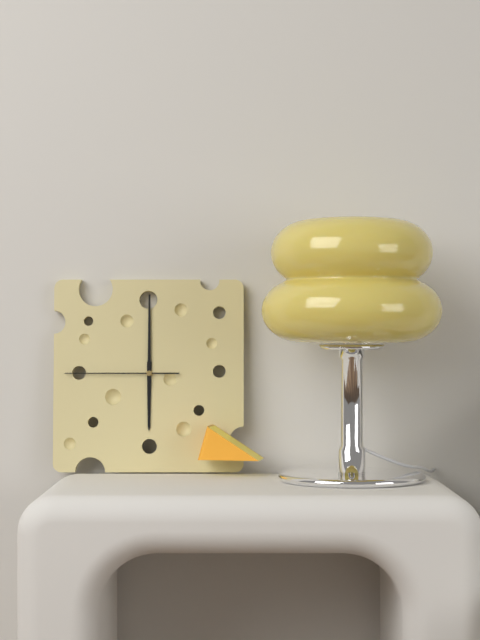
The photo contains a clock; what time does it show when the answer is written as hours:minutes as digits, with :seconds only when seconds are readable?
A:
6:00:45
